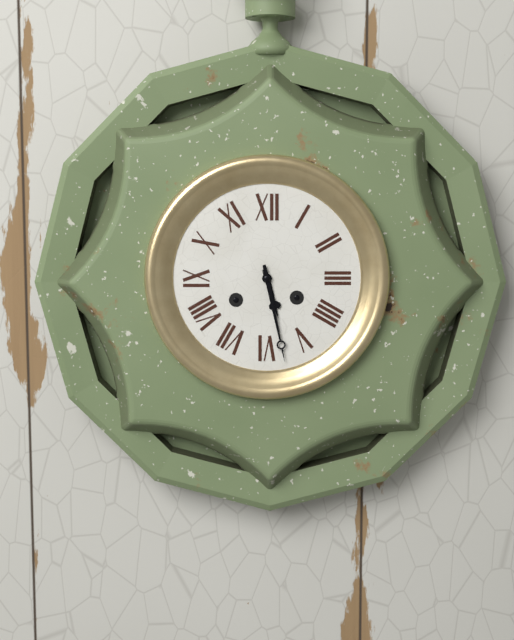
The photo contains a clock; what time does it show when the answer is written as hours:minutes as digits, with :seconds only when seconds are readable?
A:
5:28
